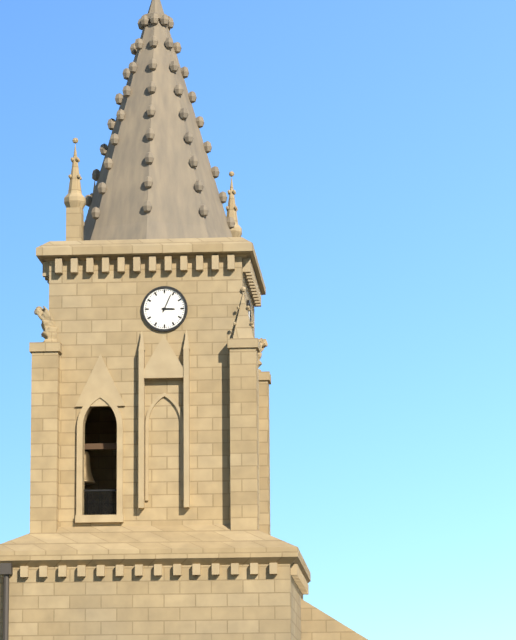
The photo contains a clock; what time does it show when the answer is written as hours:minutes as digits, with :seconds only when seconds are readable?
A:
3:04
